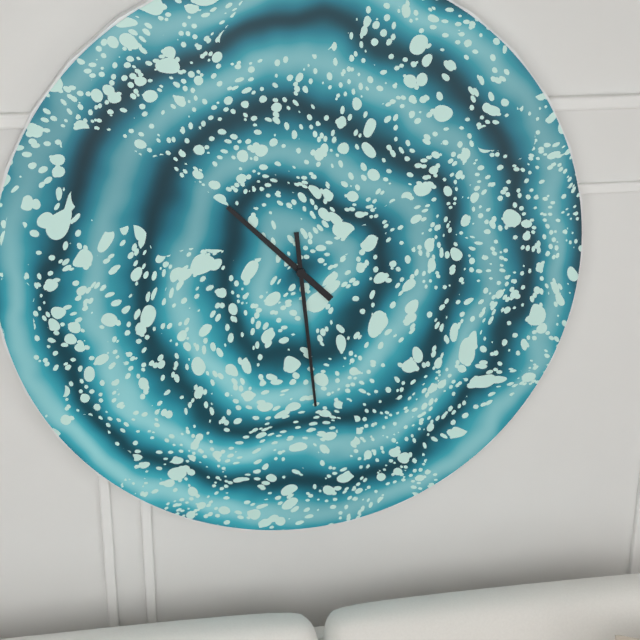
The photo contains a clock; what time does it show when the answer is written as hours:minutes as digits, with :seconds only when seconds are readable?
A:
10:29
